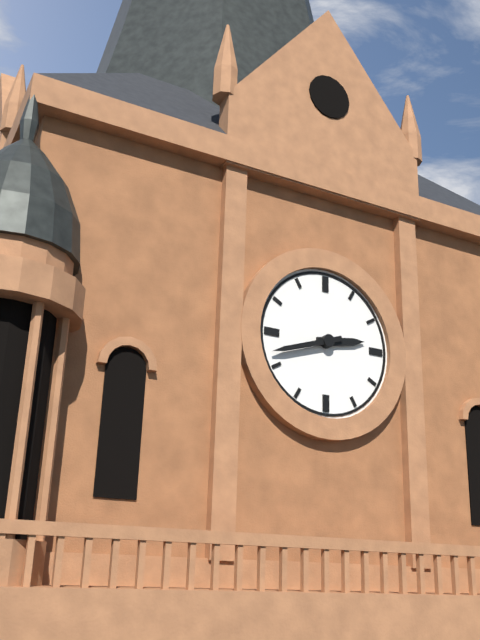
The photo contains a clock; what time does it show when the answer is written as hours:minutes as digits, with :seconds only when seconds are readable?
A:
2:42
